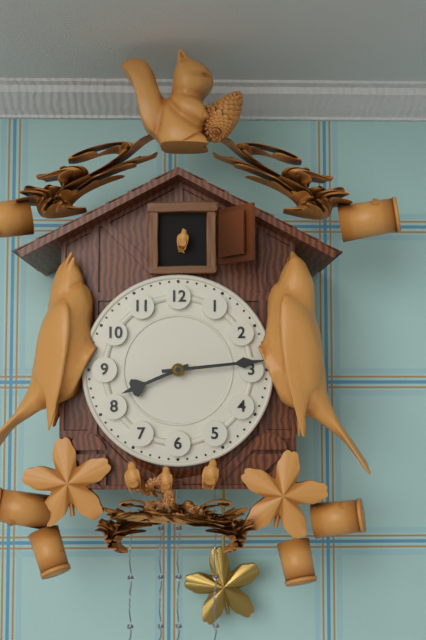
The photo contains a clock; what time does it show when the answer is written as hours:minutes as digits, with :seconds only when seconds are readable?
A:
8:14
